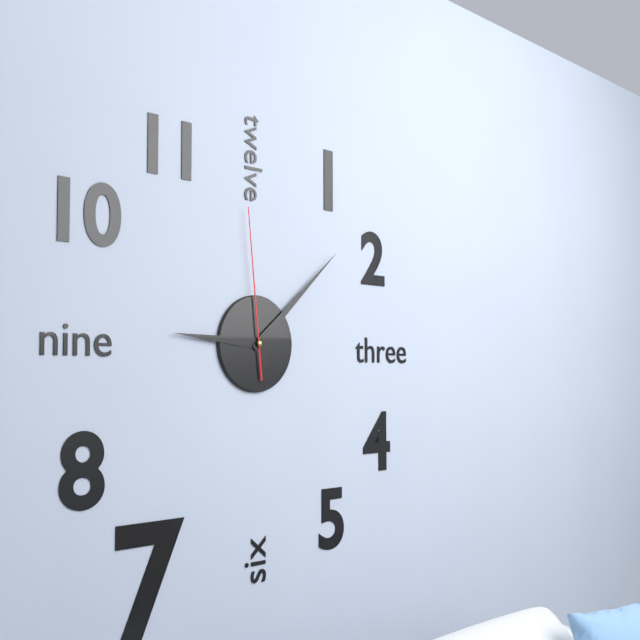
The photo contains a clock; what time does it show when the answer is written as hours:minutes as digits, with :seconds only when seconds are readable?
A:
9:08:59
